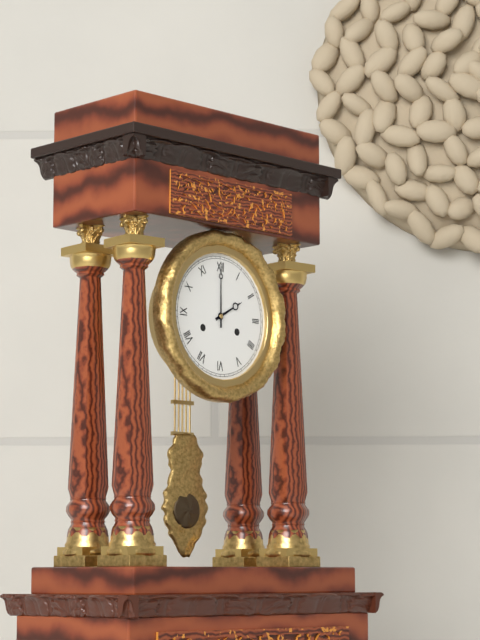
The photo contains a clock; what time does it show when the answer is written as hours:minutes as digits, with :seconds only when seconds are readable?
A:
2:00
